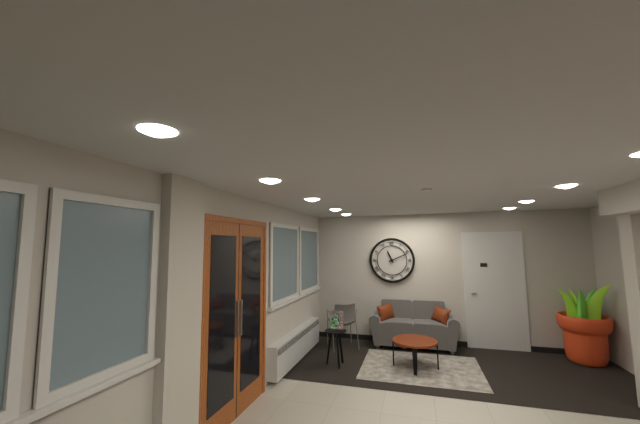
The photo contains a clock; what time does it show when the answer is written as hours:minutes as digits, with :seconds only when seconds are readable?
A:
11:11
